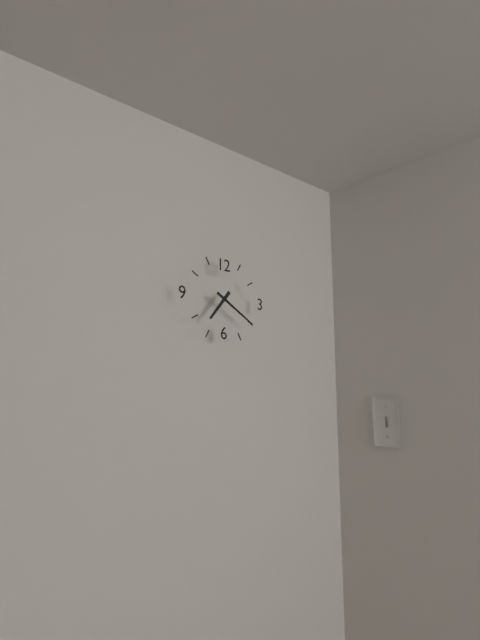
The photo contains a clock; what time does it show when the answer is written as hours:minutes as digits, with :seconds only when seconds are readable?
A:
7:20
